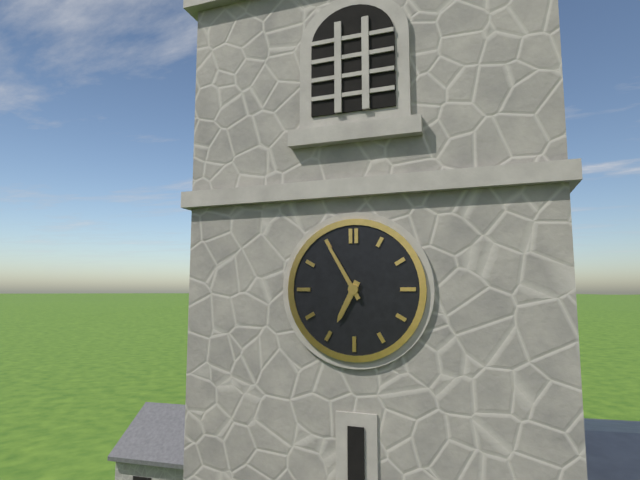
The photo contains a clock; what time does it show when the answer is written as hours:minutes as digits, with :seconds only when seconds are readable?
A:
6:55
